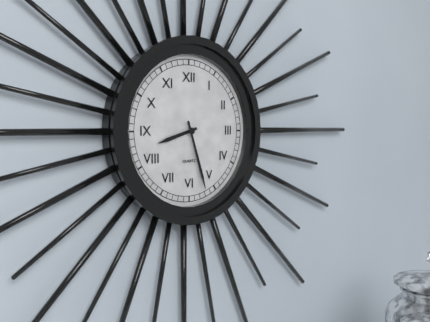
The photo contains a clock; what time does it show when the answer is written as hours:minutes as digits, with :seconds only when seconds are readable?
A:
8:27
